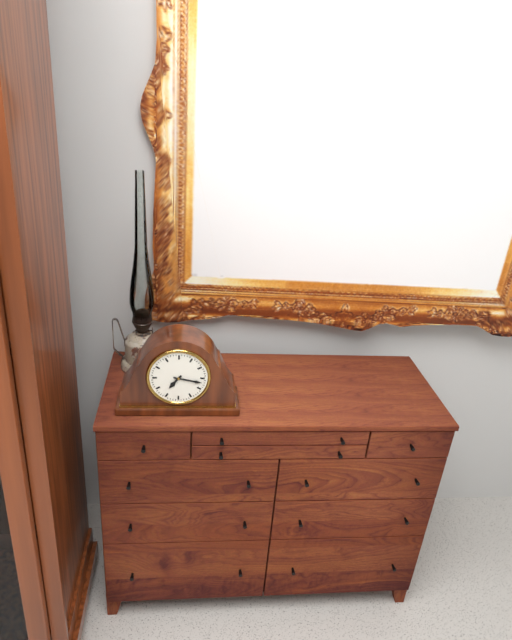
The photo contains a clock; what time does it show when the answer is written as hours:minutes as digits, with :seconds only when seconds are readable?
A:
7:17
